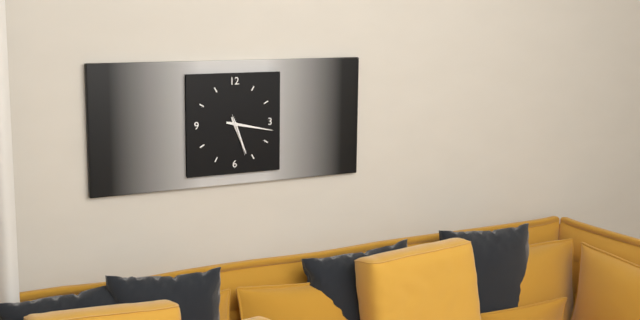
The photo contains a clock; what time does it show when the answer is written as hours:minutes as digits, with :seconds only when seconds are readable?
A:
5:17
